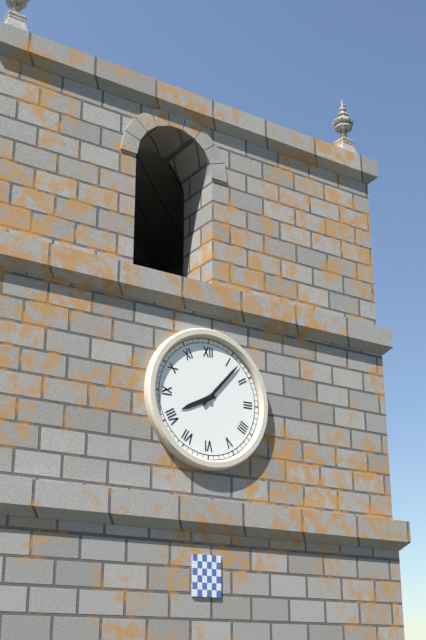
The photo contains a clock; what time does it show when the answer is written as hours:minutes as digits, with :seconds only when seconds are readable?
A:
8:07
